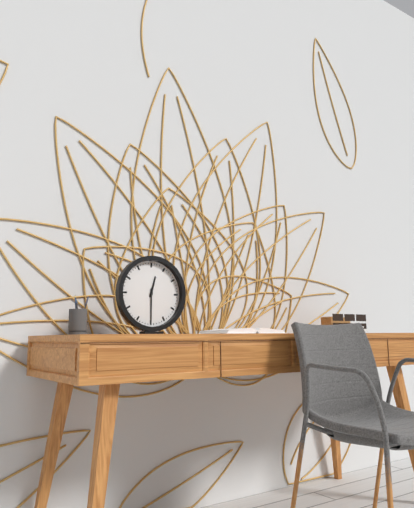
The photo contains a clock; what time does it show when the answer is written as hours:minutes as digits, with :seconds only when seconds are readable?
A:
12:30
